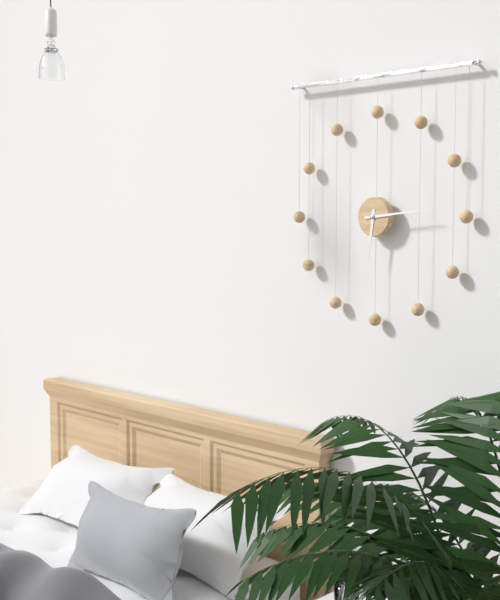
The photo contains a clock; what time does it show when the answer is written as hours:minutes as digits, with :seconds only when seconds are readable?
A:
6:14
